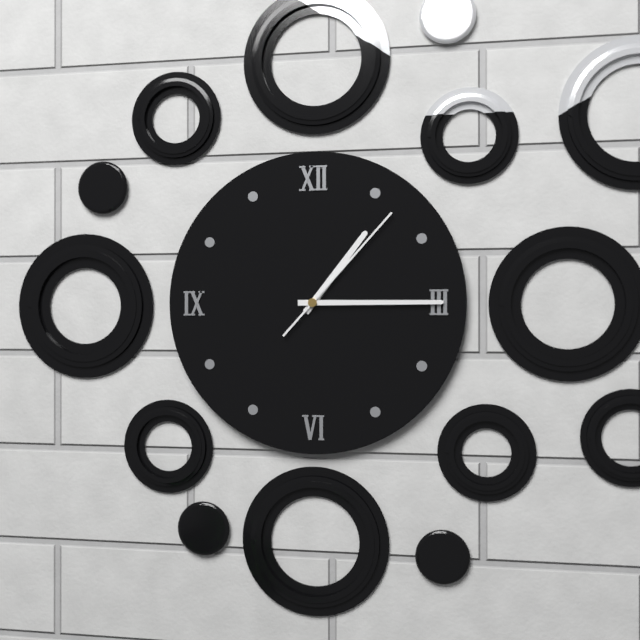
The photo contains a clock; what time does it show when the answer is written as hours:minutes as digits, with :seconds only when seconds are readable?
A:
1:15:07
